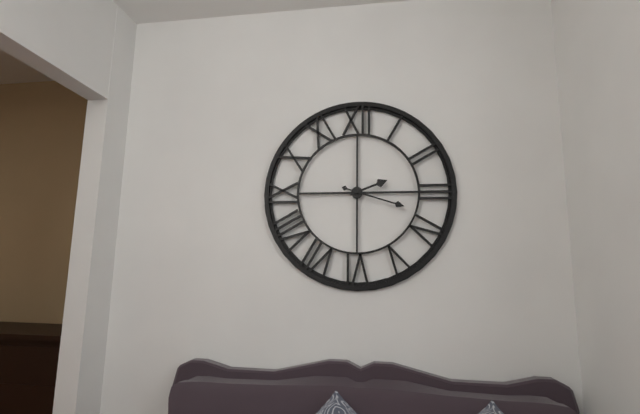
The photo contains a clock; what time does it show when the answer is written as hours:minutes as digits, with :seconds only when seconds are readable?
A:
2:18
